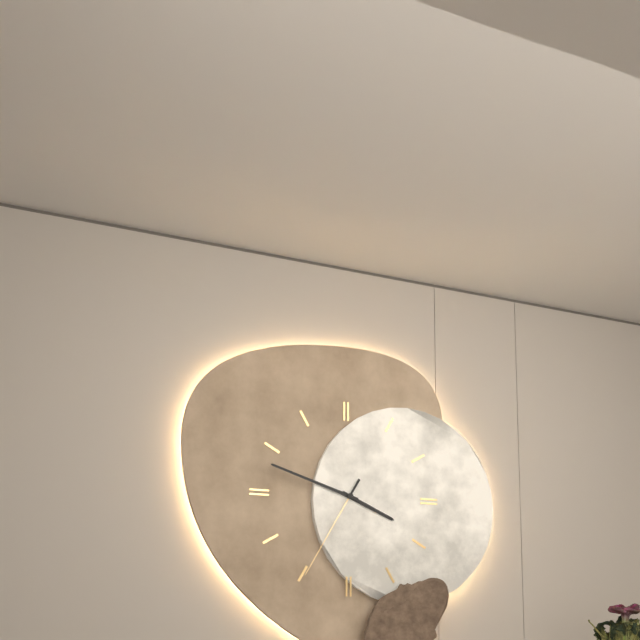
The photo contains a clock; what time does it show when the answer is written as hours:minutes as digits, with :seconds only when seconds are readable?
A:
3:48:35
